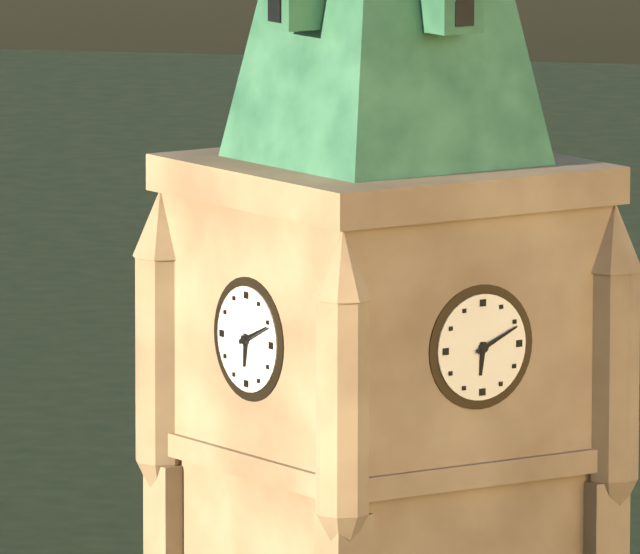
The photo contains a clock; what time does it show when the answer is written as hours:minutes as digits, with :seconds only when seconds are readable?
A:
6:11
